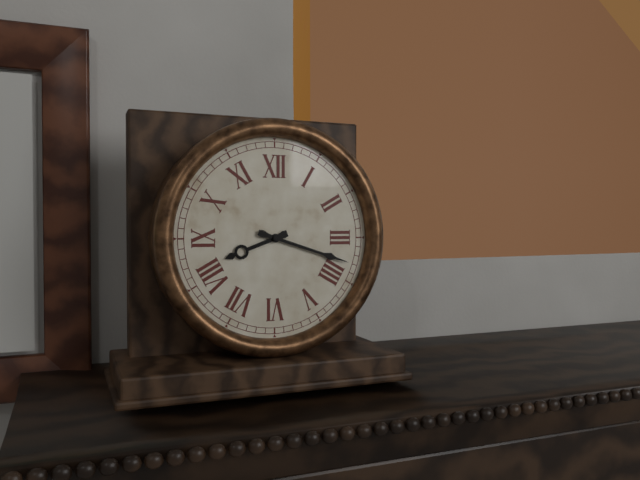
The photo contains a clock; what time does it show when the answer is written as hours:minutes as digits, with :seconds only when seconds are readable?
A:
8:18
